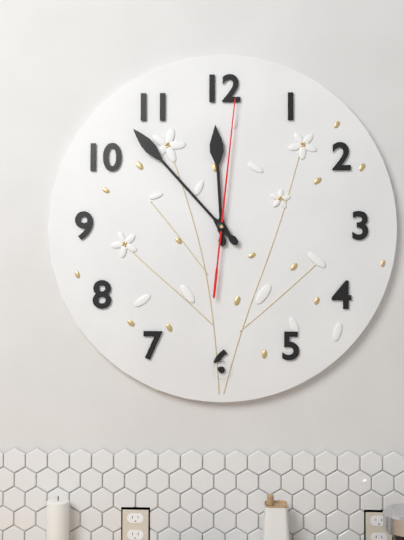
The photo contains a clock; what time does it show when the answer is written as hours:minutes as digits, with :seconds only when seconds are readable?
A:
11:53:01
